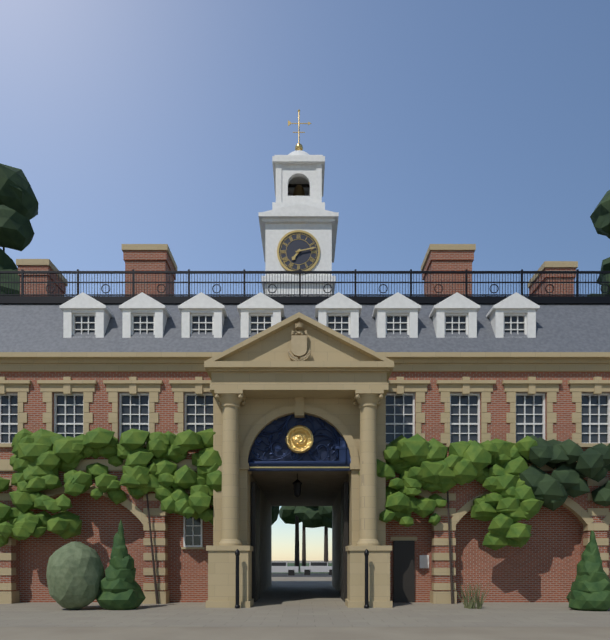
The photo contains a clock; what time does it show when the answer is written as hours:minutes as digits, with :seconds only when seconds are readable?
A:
7:13
